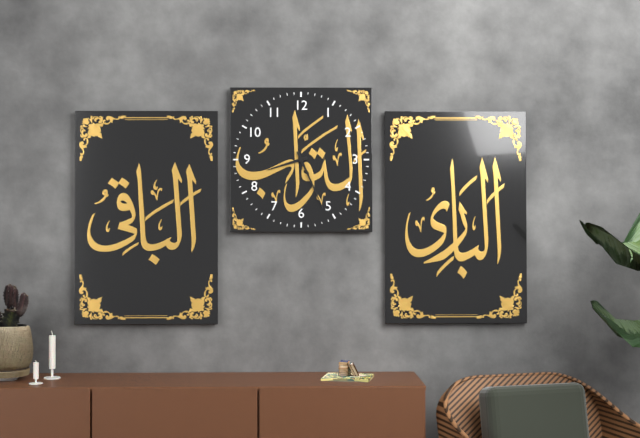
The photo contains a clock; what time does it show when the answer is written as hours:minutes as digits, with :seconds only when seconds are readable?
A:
8:26
